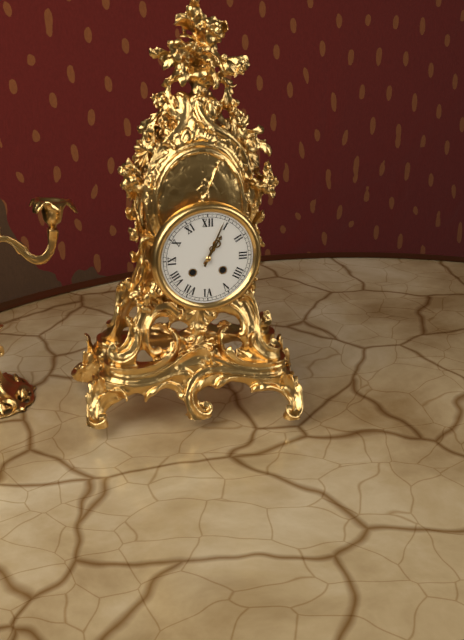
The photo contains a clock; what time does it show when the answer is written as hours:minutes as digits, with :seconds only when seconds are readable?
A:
1:04
